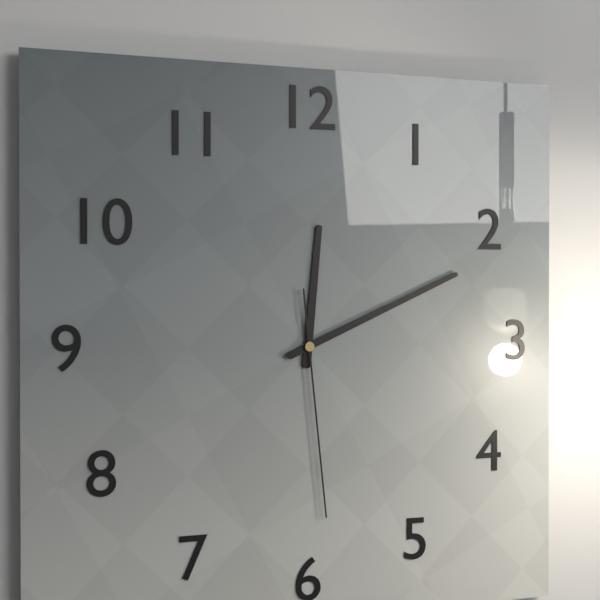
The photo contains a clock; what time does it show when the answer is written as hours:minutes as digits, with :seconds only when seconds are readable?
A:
12:11:29
